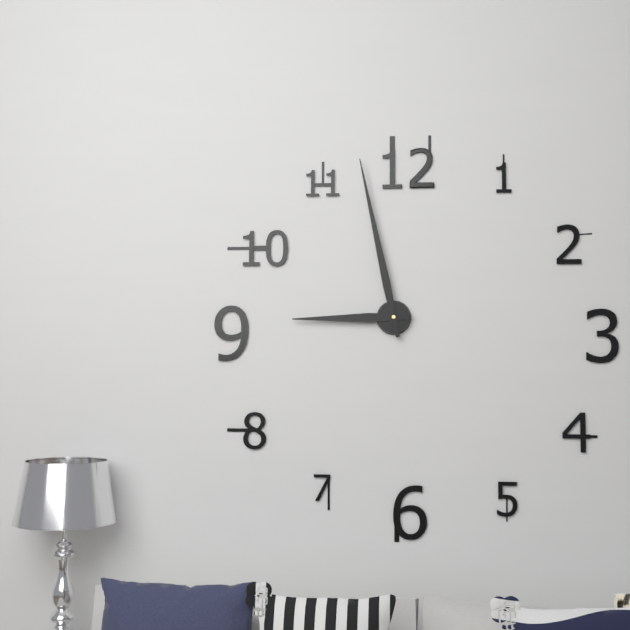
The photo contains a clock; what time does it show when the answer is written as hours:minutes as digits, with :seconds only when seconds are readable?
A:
8:58
